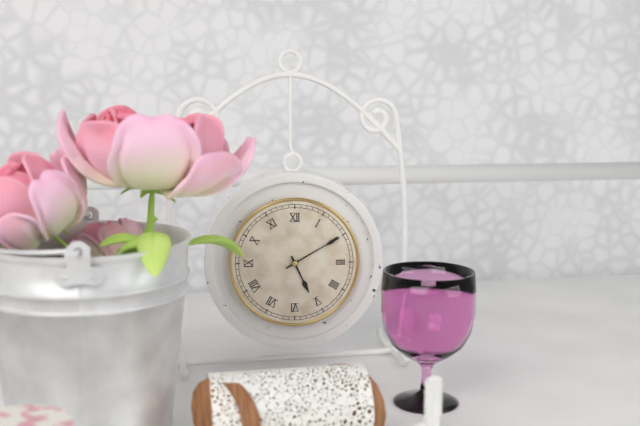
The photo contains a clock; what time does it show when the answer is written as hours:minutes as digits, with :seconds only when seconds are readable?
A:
5:10
